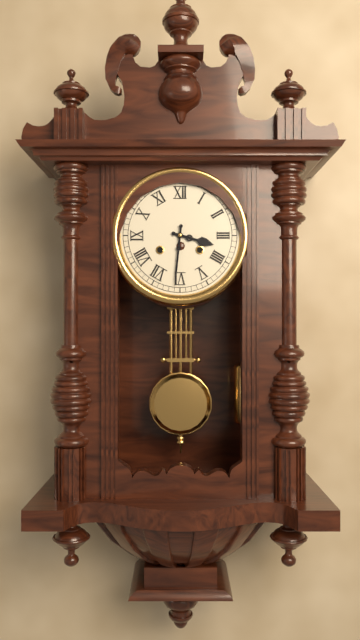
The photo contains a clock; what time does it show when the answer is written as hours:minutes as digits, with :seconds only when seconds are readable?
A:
3:31
